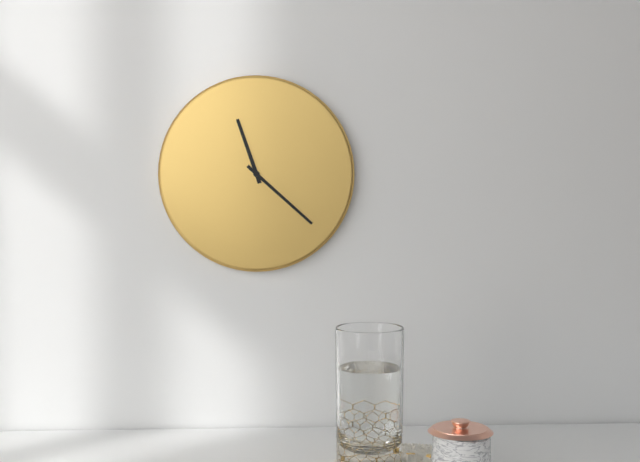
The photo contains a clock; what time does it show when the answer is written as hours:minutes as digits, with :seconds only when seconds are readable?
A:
11:22
